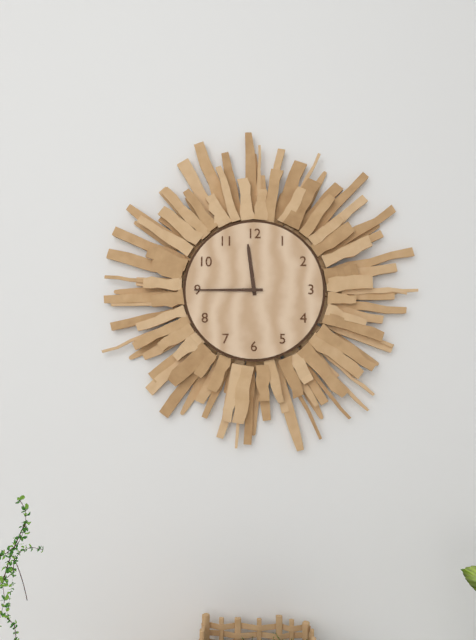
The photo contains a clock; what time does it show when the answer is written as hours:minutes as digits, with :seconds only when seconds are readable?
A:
11:45
